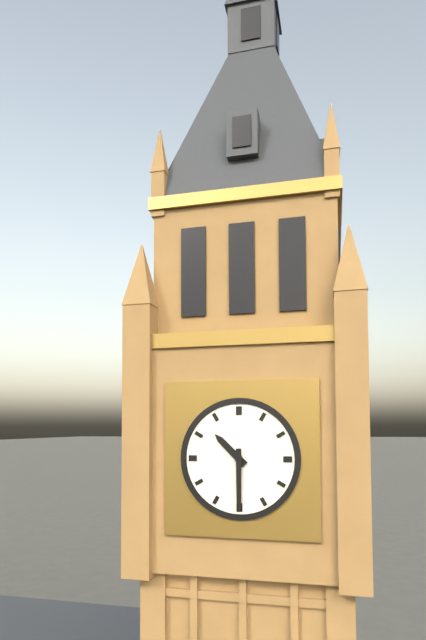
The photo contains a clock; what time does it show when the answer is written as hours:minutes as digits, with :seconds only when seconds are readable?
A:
10:30
